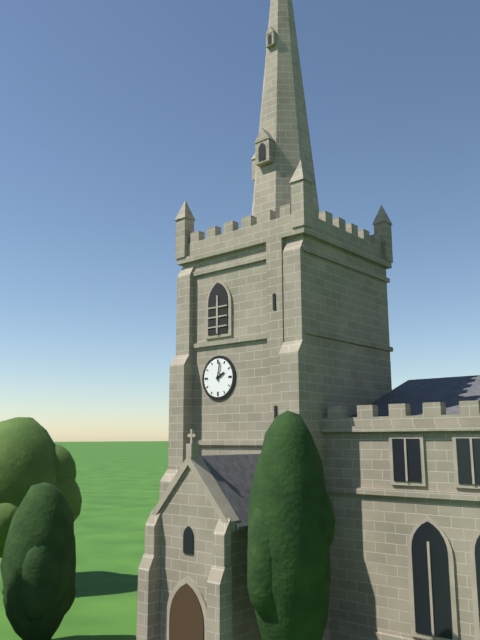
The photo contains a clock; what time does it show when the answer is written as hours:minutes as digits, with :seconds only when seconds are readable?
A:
2:02
